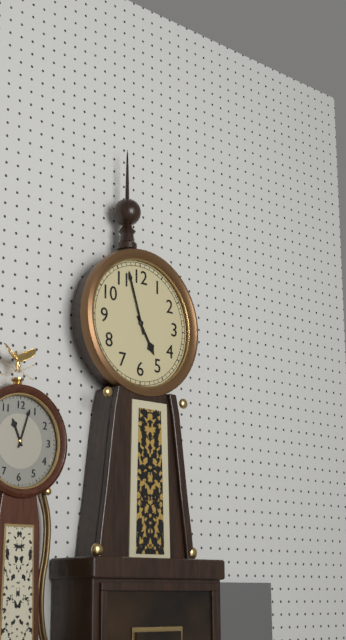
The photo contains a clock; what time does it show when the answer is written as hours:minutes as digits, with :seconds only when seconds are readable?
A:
4:57
